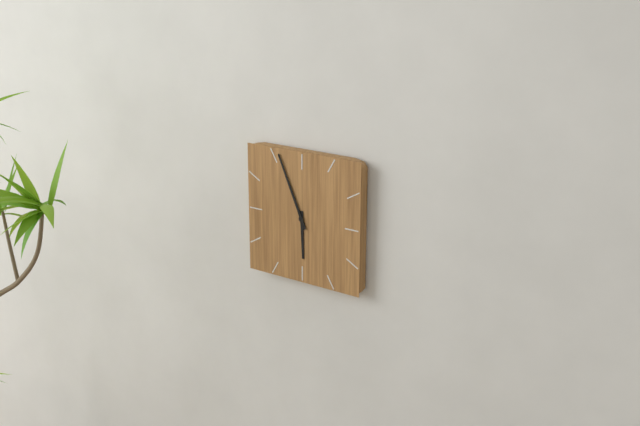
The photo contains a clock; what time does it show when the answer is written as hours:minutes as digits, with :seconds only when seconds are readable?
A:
5:56
